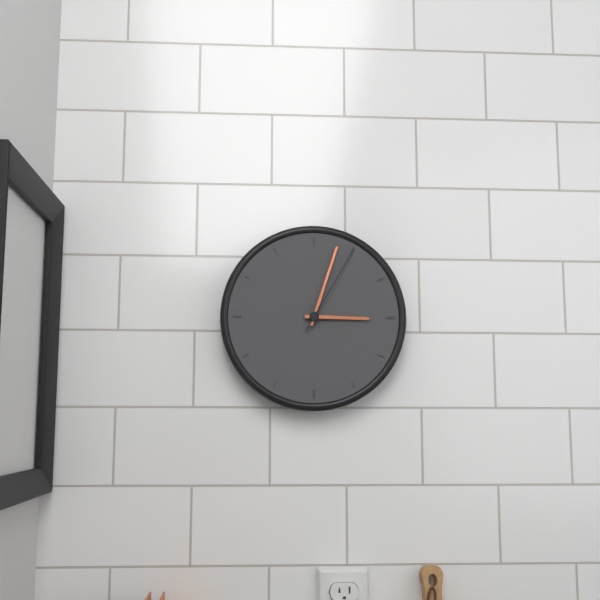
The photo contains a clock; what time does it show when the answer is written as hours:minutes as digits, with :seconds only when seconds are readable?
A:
3:03:05
